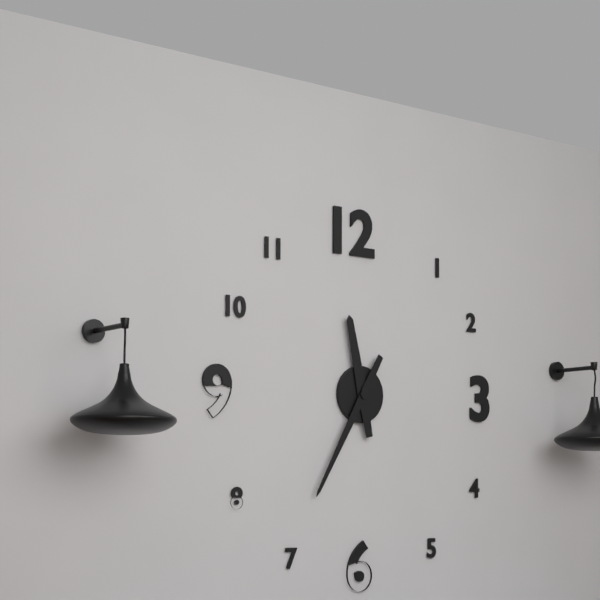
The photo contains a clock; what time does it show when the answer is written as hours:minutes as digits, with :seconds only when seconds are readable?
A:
11:35
